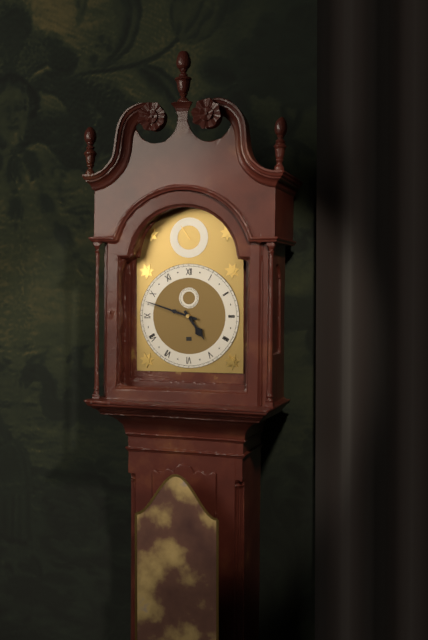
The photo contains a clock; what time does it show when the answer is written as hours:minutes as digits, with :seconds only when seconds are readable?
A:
4:48
